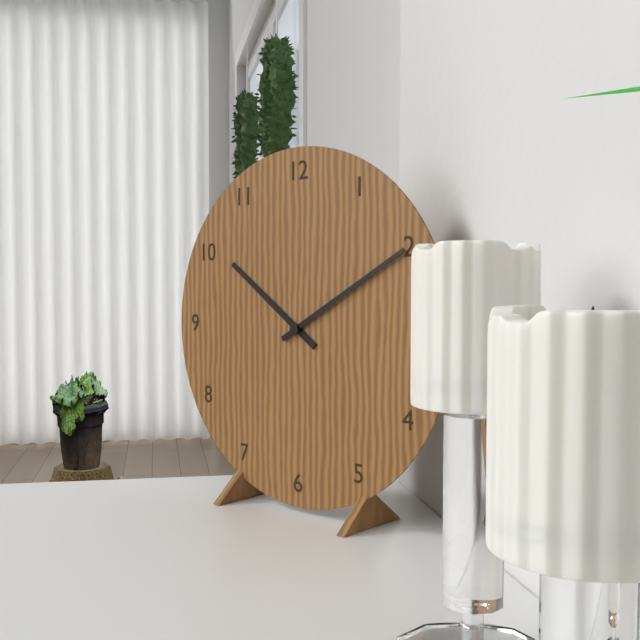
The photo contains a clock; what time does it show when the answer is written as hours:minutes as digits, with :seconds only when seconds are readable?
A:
10:10
